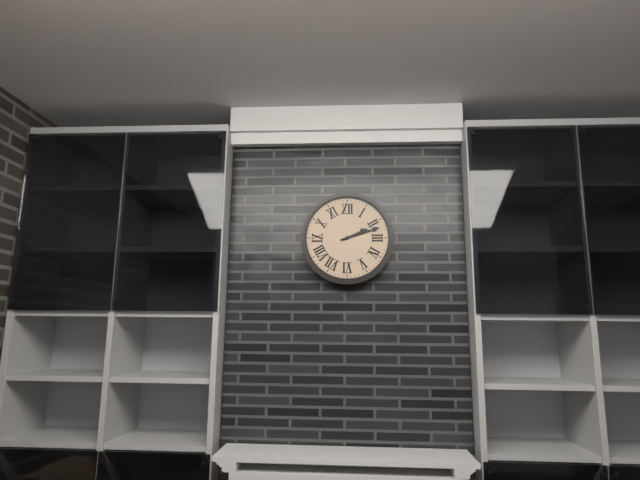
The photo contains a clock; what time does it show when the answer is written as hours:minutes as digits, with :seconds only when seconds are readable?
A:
2:12
